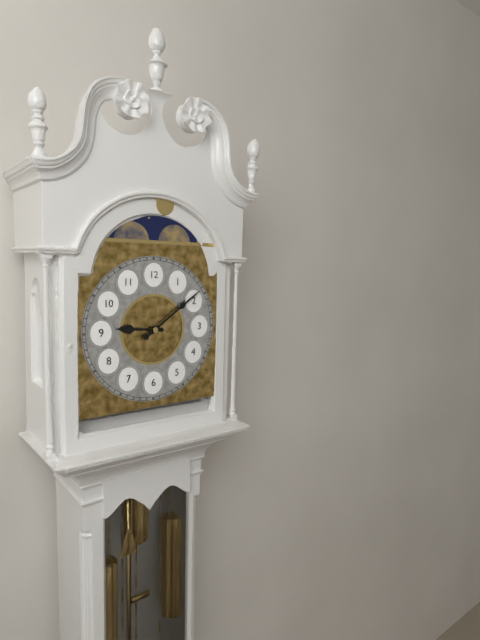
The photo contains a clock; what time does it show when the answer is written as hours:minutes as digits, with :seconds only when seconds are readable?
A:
9:09
